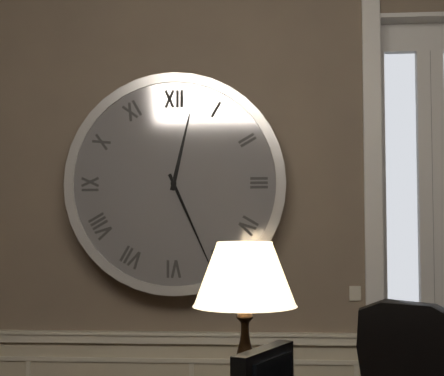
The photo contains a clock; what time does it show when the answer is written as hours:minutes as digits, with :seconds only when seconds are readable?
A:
12:26
